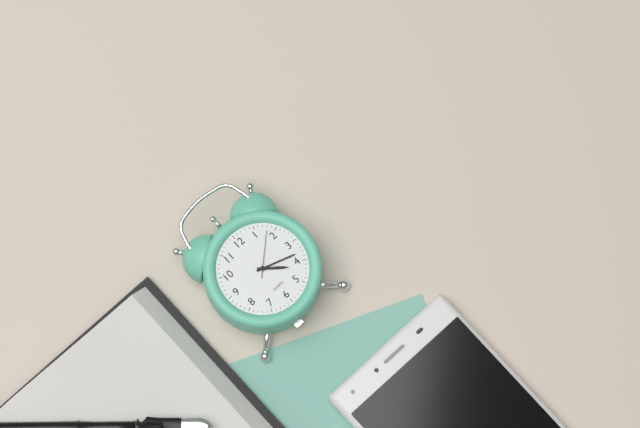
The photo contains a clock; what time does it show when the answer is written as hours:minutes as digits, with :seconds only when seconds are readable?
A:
4:18
